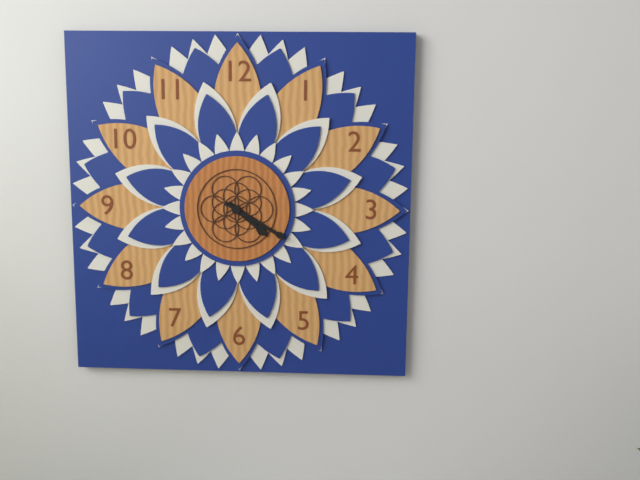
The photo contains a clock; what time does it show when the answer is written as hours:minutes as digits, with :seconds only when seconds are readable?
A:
4:20
